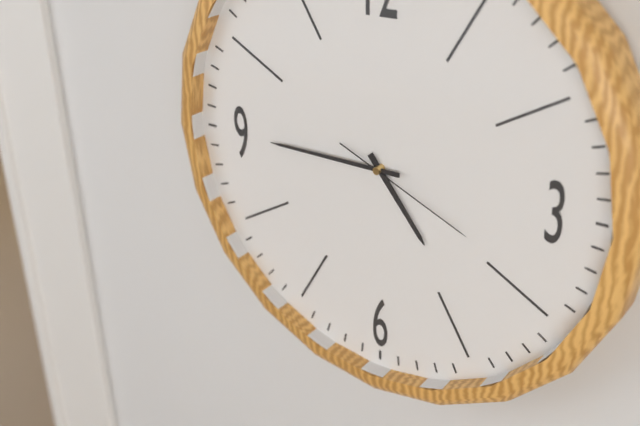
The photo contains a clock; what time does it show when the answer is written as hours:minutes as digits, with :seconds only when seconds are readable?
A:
4:45:19
